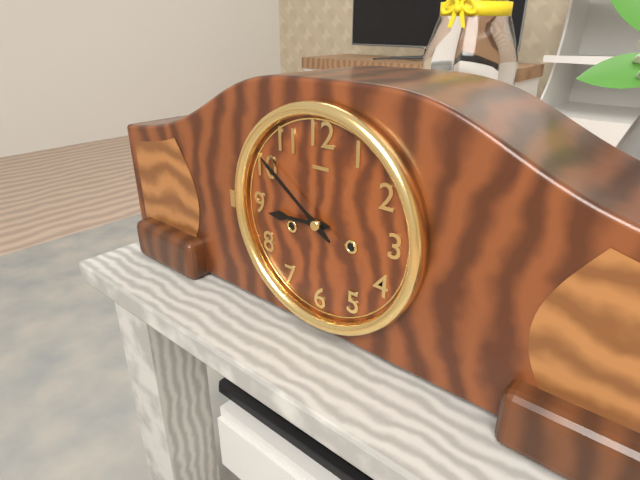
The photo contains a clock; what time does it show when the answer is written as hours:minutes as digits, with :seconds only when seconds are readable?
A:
8:51
